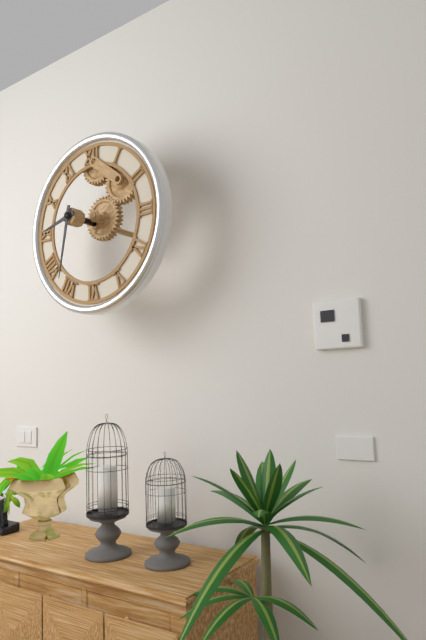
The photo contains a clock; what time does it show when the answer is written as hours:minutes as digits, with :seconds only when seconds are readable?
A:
8:32
